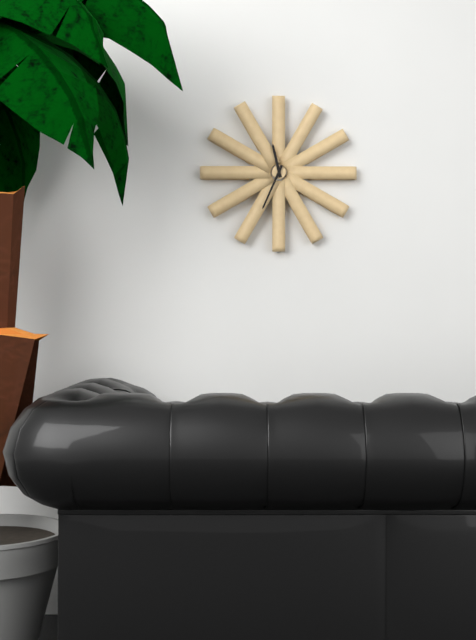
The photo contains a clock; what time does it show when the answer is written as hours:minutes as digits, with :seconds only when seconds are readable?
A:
11:34
